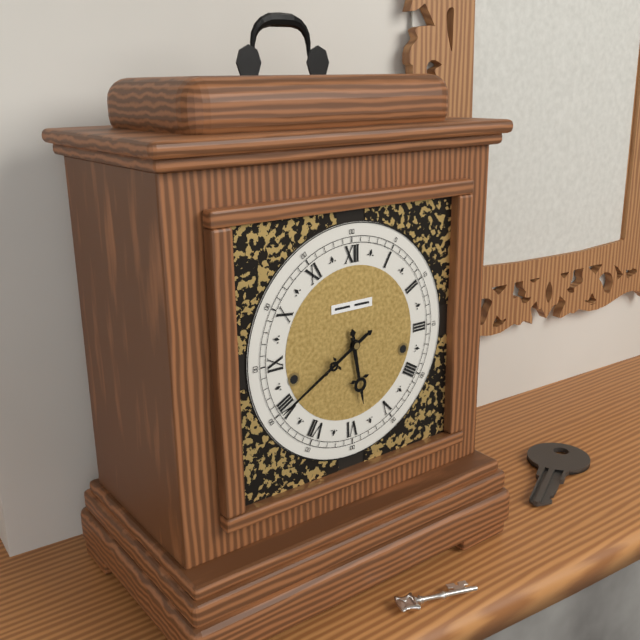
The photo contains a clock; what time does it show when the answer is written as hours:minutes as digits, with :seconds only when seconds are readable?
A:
5:40
